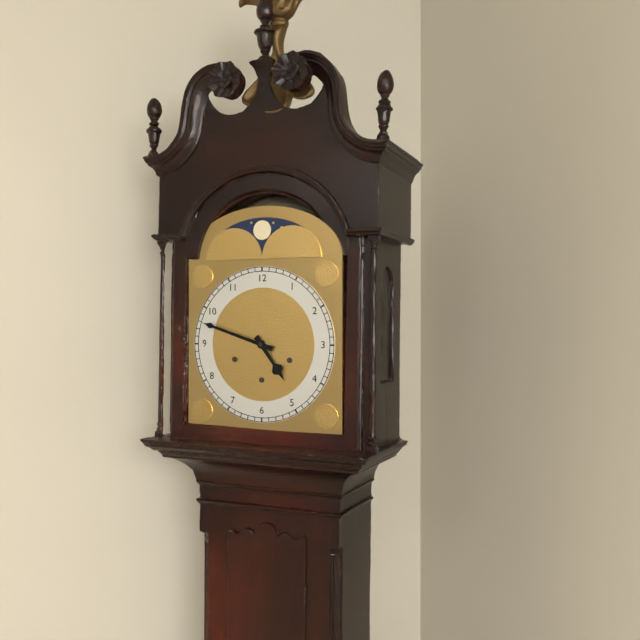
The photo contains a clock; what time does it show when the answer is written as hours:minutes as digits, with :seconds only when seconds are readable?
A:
4:48
